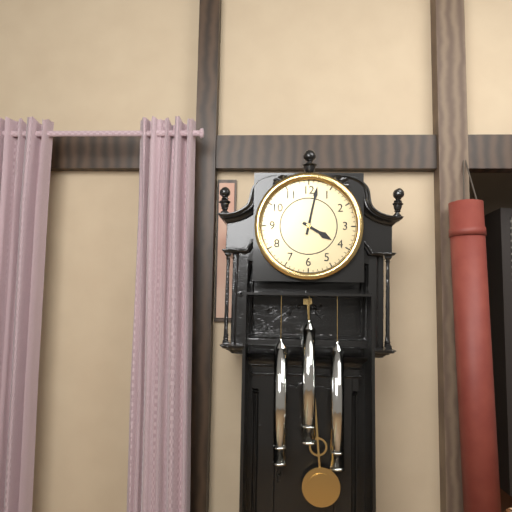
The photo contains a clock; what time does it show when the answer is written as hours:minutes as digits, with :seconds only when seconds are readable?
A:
4:02
